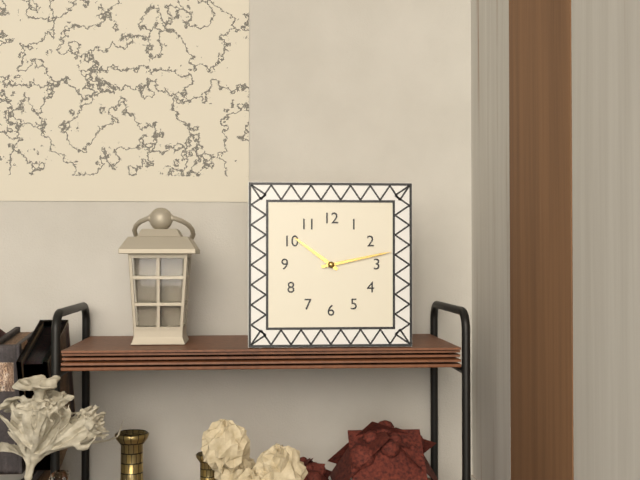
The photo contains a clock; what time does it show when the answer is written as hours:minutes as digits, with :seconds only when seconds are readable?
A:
10:13
